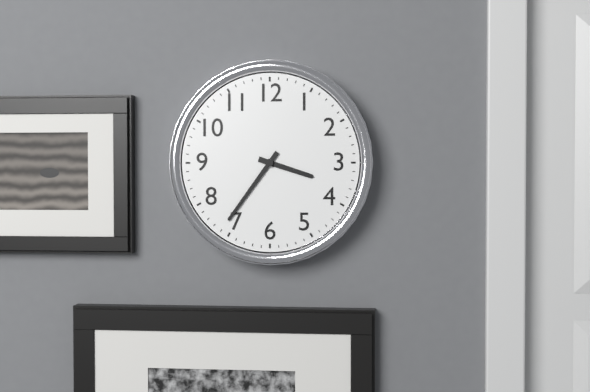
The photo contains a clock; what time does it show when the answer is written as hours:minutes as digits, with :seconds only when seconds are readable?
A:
3:36
